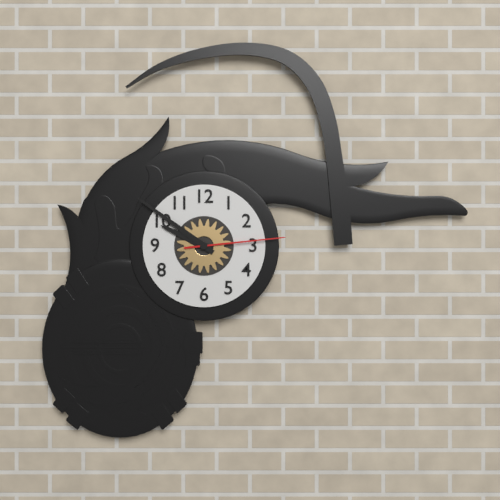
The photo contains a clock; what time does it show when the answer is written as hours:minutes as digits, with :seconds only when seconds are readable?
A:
9:51:14
